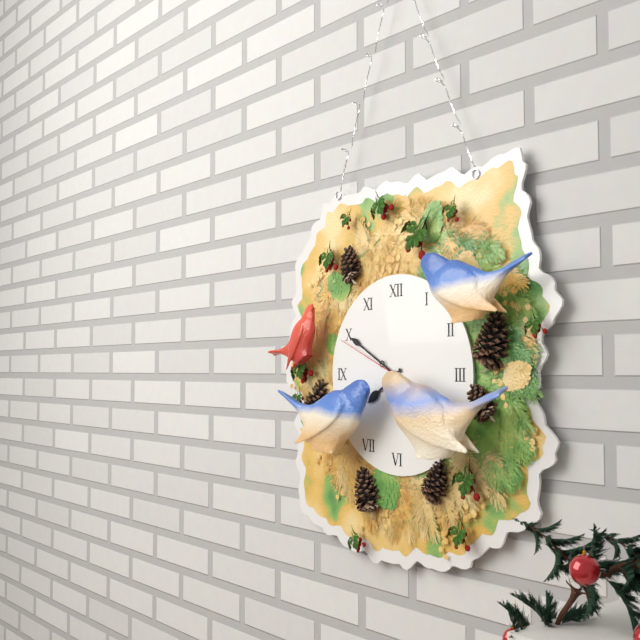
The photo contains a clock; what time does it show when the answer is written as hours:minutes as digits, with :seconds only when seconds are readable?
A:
7:50:49
